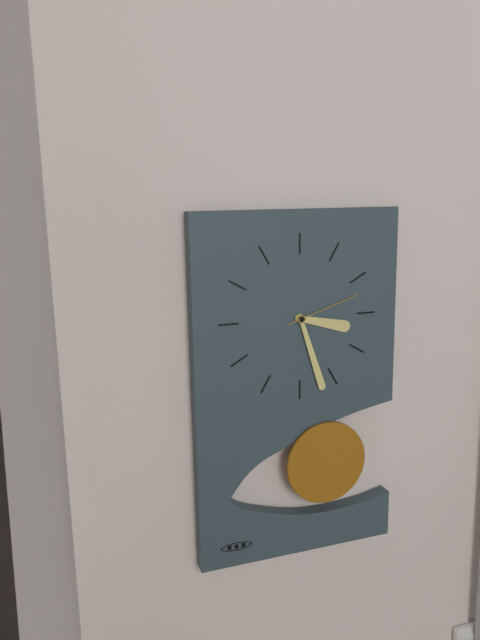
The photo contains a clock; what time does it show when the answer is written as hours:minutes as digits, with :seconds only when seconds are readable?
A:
3:27:12
